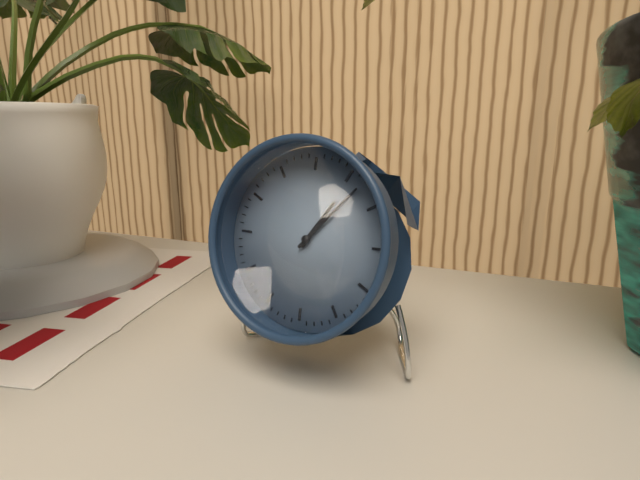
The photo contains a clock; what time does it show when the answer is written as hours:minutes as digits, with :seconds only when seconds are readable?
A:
1:07
